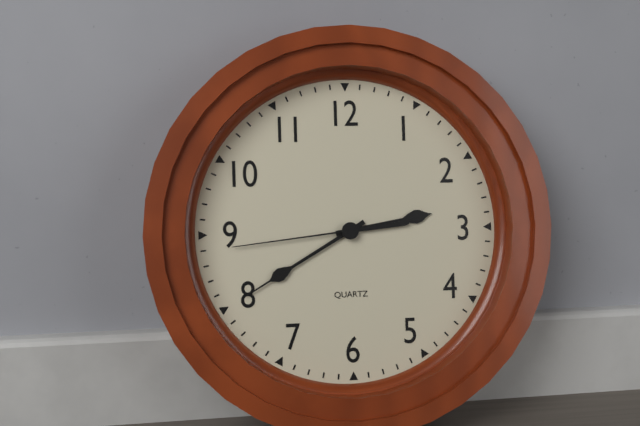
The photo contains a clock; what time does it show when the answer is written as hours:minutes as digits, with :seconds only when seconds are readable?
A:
2:40:44
